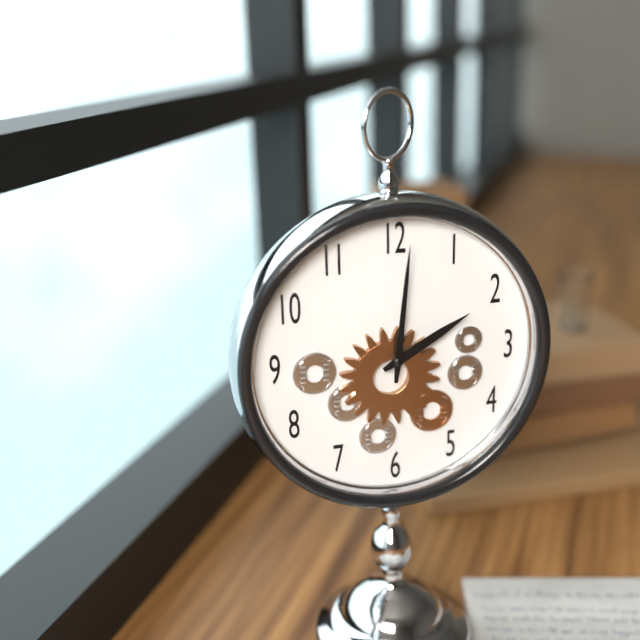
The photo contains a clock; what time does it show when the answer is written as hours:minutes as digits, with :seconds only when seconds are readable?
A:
2:01
